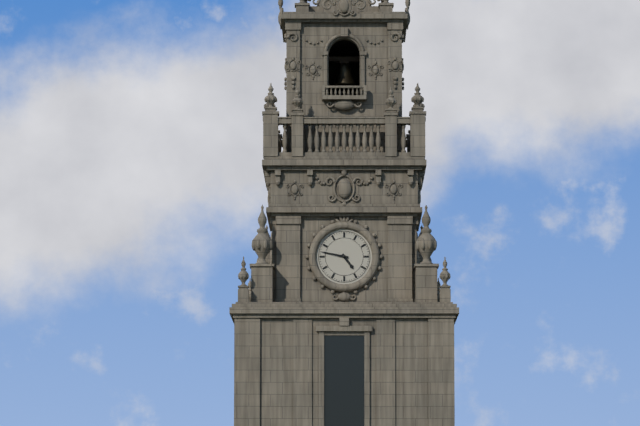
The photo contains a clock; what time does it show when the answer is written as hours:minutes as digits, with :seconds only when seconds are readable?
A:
4:47
